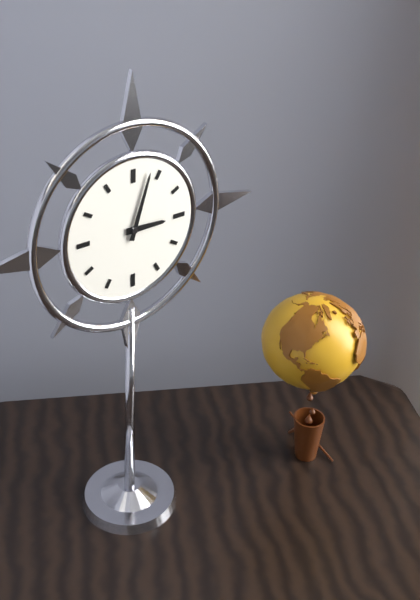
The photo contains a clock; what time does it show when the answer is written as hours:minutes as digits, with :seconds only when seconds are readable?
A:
3:03
